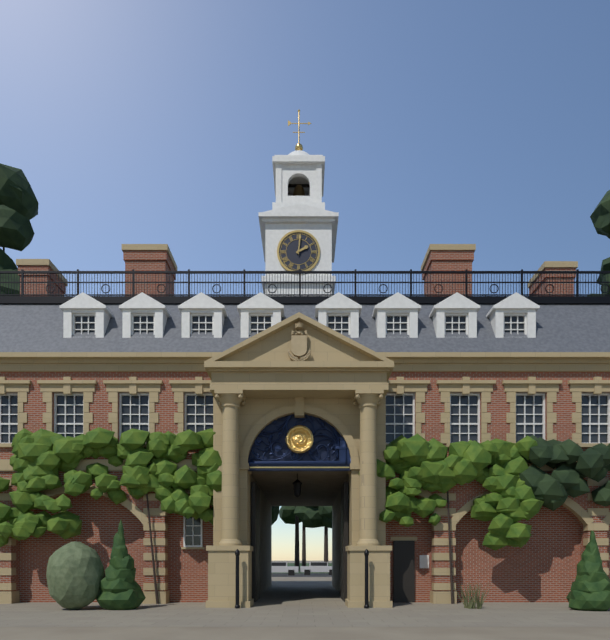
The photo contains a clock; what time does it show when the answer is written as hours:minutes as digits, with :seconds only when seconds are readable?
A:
2:01
